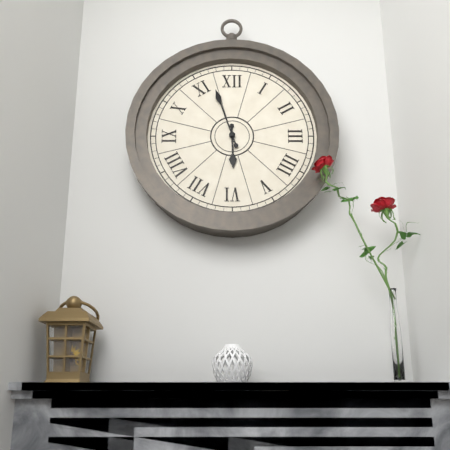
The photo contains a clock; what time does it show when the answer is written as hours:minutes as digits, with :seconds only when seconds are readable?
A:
5:57
